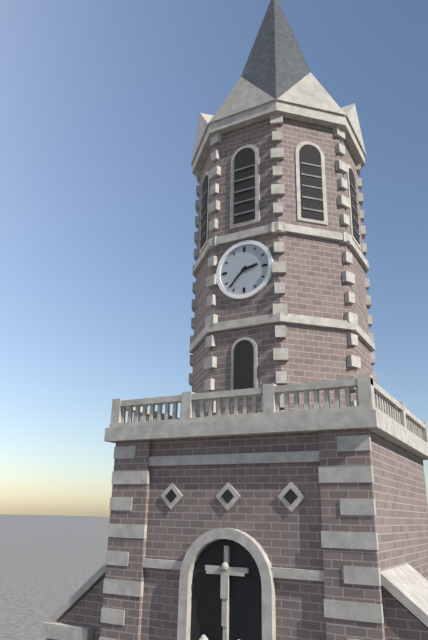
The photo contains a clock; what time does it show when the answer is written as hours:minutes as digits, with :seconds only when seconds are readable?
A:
2:37
